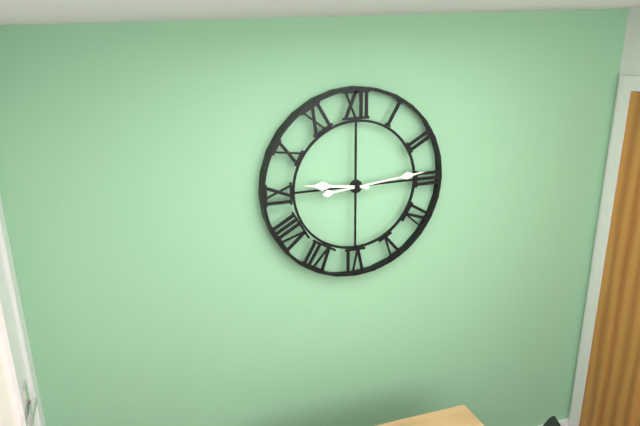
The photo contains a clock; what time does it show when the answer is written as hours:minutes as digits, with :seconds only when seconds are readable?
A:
9:14
